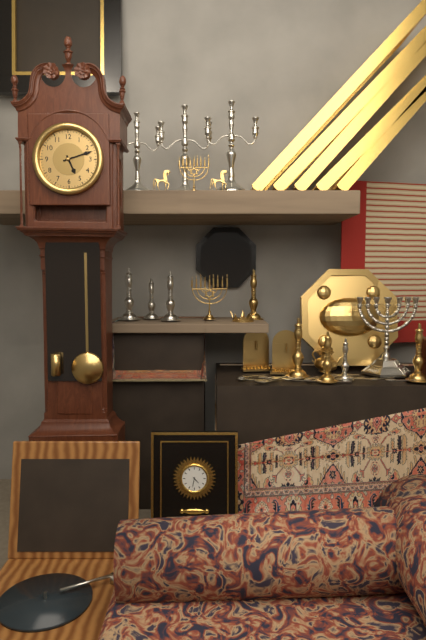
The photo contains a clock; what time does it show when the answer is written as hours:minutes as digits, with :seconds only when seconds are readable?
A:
5:12
